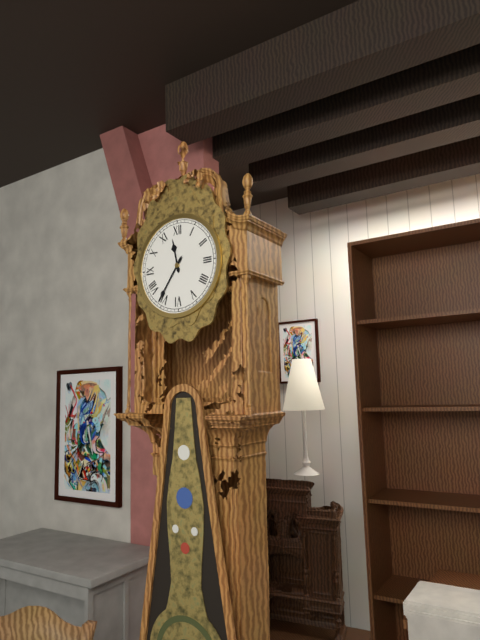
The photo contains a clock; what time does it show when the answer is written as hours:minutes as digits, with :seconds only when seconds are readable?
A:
11:36
